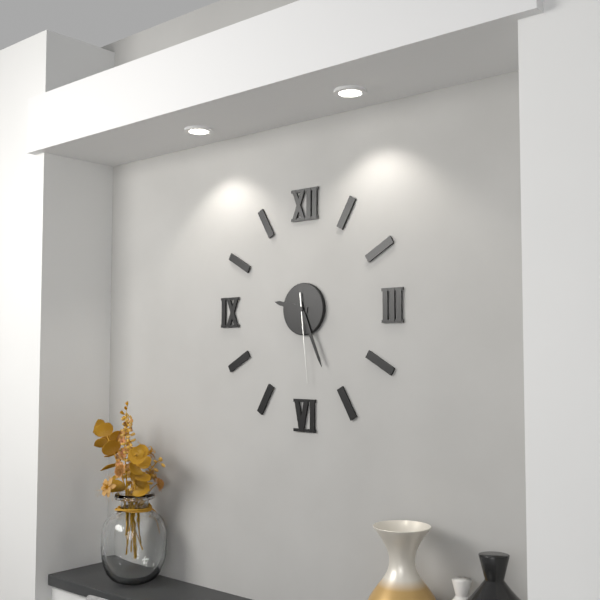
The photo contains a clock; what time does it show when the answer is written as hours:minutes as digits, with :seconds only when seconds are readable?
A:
9:26:29
